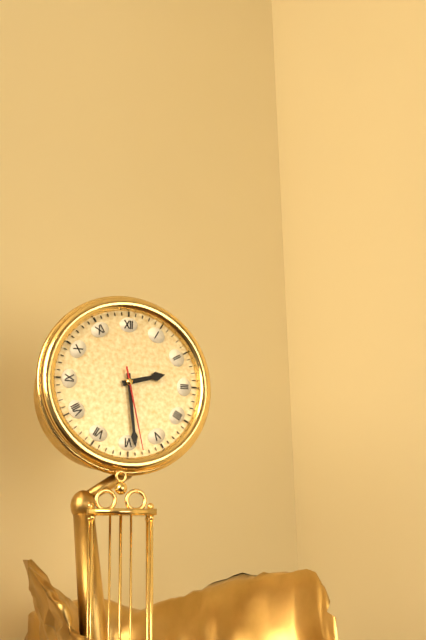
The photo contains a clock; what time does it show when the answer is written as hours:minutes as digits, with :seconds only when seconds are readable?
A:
2:29:28
